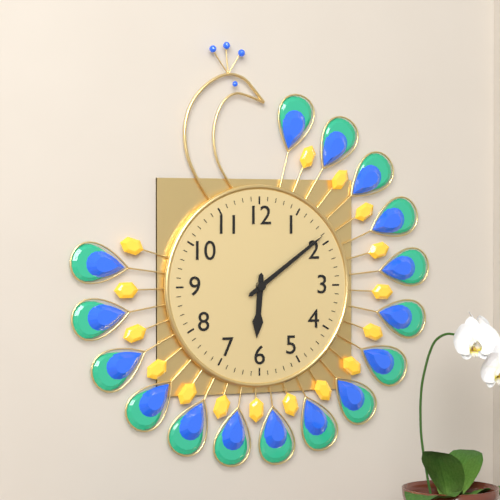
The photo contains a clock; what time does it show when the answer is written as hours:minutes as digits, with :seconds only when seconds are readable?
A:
6:09
